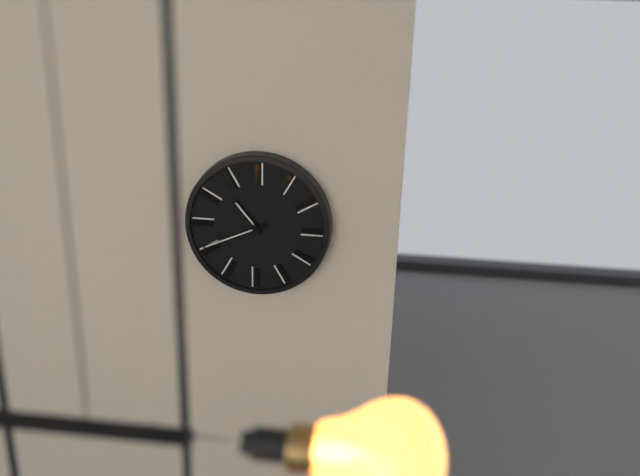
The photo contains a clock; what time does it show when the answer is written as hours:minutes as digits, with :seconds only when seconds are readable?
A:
10:41
